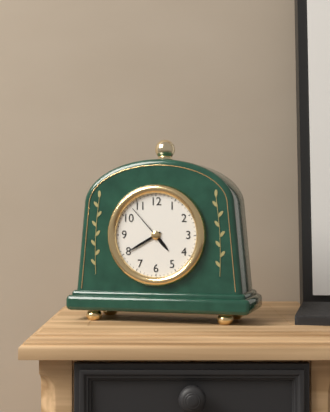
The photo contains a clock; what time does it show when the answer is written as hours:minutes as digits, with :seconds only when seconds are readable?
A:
4:40:53
